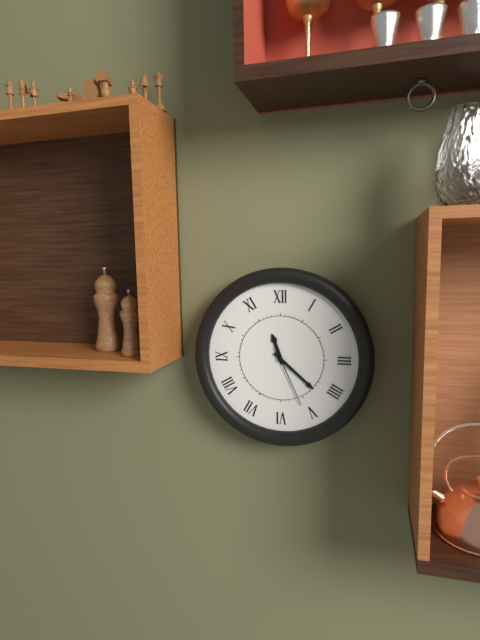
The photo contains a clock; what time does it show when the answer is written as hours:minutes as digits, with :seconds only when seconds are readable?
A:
11:22:26
